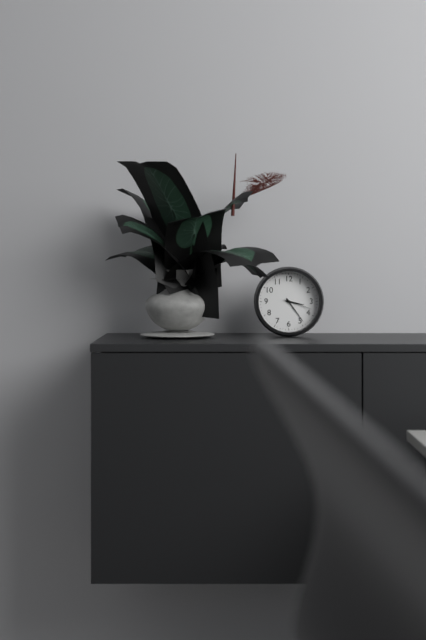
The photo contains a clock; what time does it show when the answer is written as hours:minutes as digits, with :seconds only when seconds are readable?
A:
3:24
